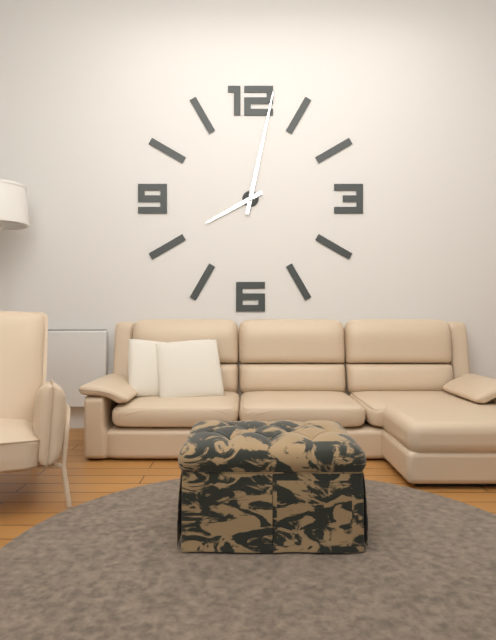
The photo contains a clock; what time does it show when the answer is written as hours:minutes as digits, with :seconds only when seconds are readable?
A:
8:02
